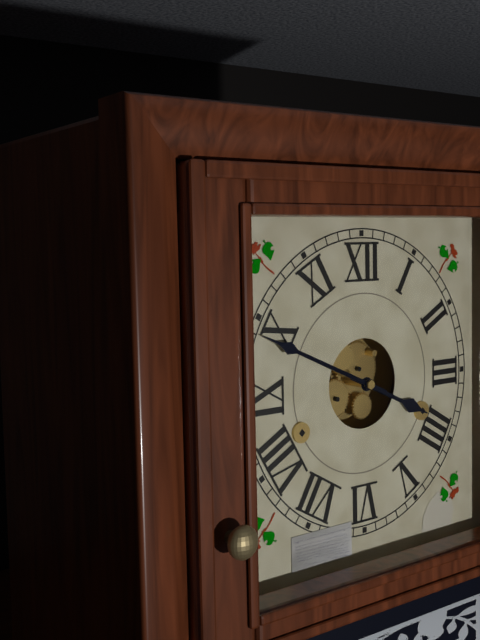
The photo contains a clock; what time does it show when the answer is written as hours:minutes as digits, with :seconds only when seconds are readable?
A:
3:49
